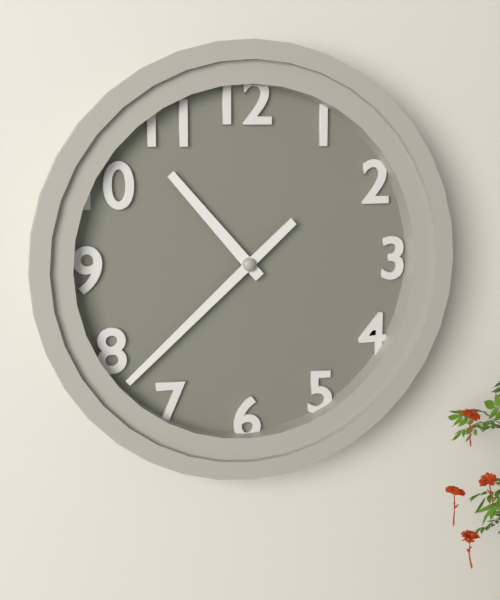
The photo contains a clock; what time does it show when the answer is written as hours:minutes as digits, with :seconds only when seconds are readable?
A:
10:38
